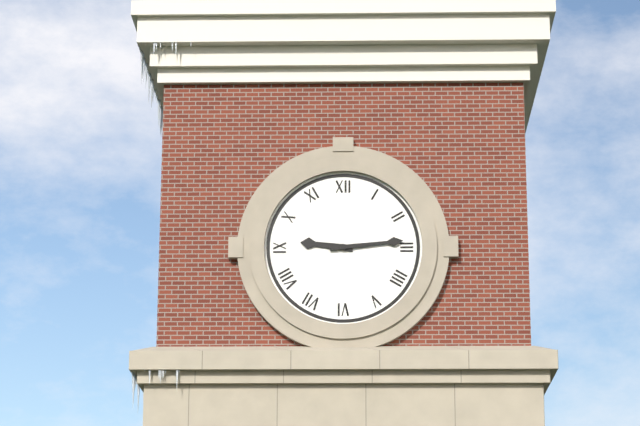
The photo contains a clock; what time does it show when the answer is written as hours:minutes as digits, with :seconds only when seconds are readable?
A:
9:14
